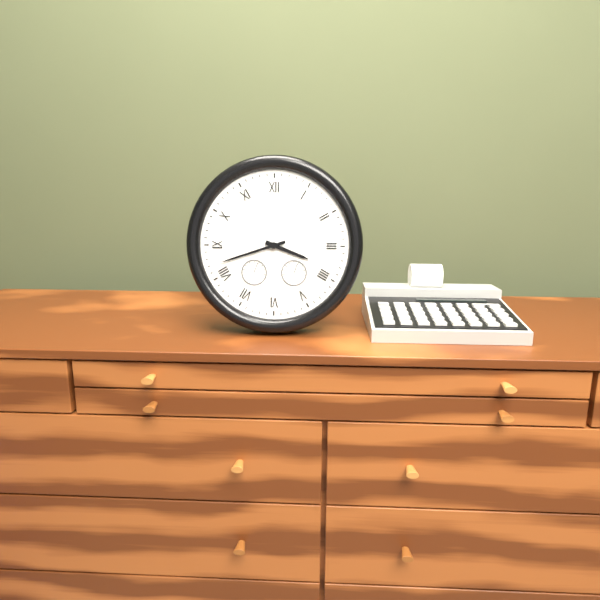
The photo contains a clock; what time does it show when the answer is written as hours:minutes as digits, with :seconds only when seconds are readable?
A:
3:42
